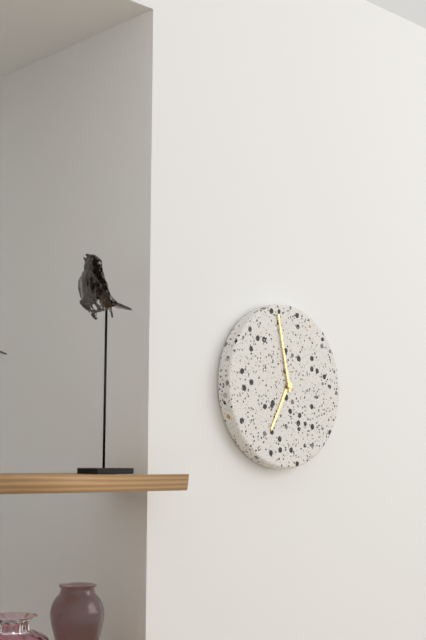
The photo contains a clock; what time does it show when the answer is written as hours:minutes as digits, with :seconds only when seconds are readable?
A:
6:58
